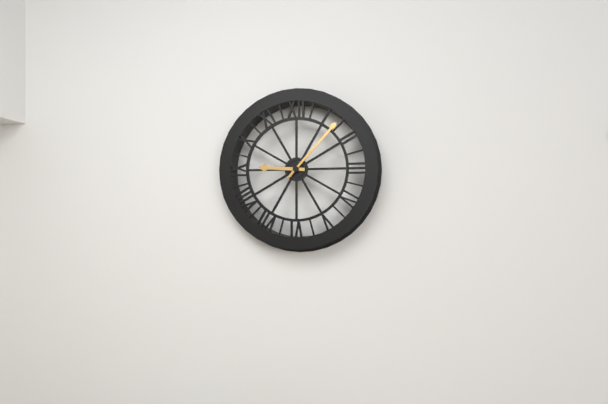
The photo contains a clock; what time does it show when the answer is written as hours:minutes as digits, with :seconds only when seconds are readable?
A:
9:07
